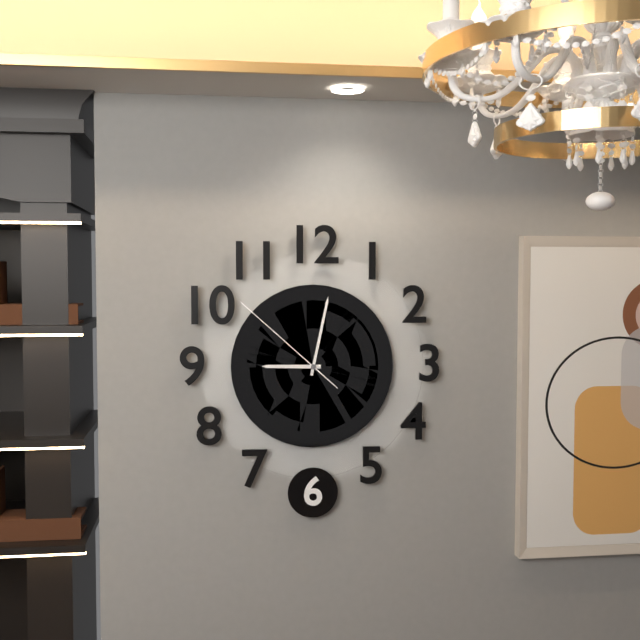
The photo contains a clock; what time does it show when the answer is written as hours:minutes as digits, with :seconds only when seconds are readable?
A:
9:02:52
